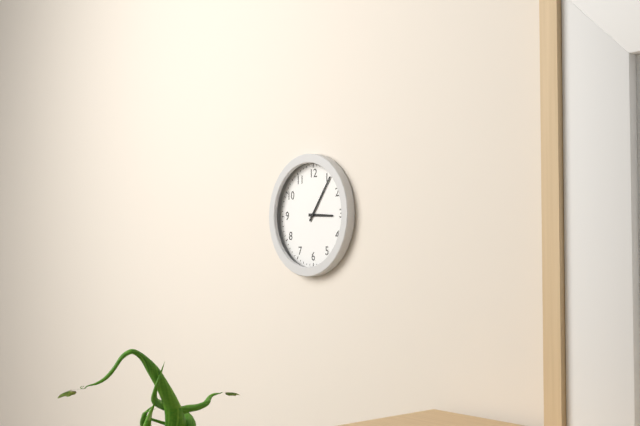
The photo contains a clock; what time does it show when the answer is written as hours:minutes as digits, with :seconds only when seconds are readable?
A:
3:06
